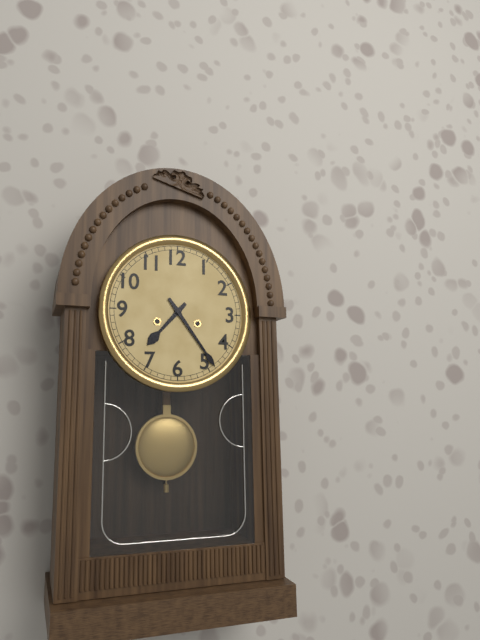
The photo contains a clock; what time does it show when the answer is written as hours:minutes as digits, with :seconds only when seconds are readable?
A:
7:24
